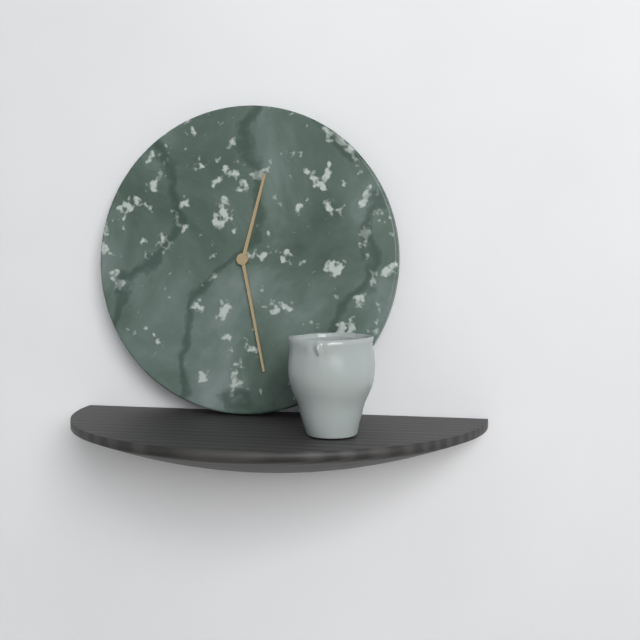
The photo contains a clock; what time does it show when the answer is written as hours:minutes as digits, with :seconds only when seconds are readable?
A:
12:28
